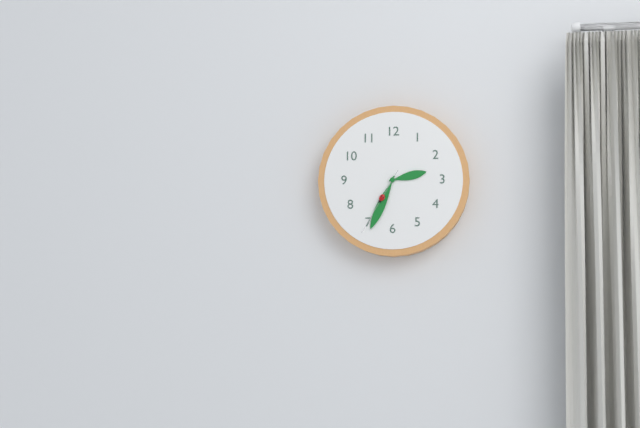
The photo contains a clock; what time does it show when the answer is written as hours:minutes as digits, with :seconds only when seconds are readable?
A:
2:34:35
